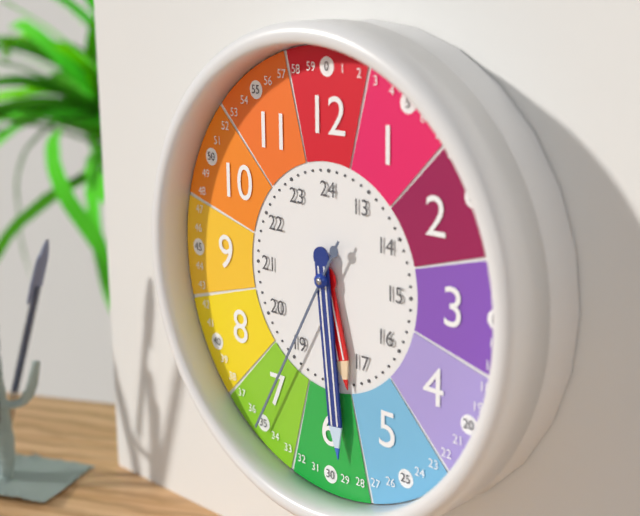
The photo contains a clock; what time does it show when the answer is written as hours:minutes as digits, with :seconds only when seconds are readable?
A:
5:29:35
